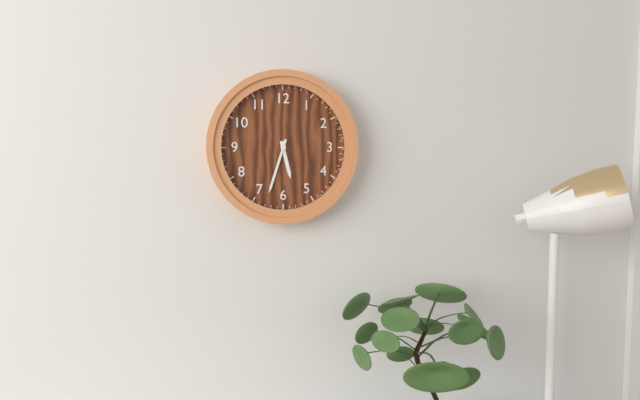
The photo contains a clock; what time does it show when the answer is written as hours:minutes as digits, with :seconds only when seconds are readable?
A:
5:33
